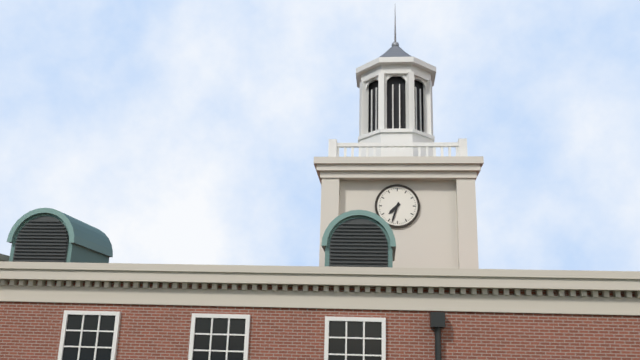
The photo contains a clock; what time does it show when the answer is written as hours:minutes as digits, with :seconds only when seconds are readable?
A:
7:33
